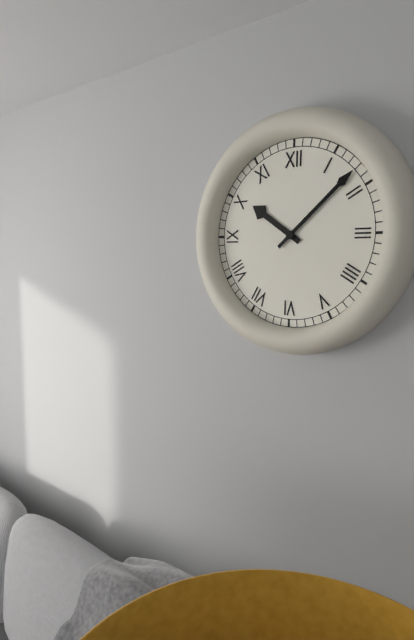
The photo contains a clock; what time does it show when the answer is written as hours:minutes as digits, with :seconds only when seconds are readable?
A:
10:08
